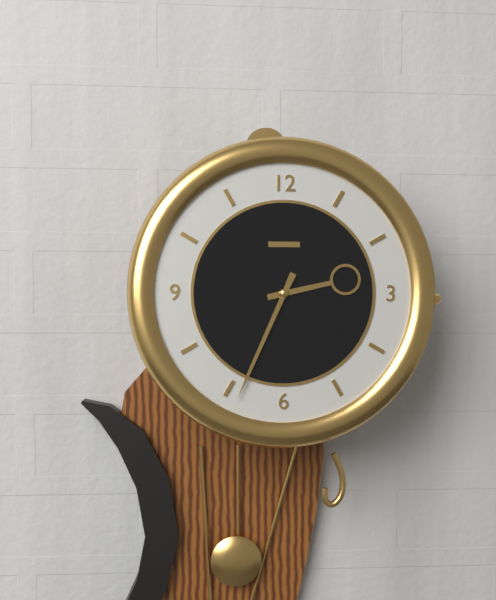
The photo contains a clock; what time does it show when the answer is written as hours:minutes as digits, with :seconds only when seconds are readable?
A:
2:34
